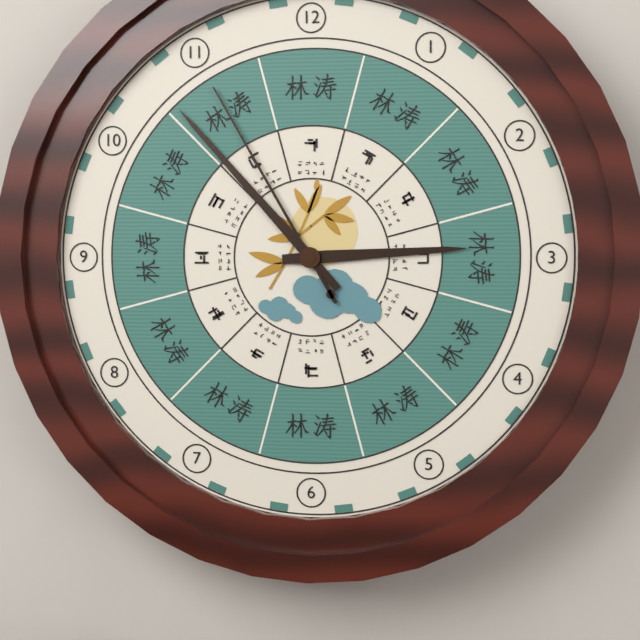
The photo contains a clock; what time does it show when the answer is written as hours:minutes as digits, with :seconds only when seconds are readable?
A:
2:53:55
